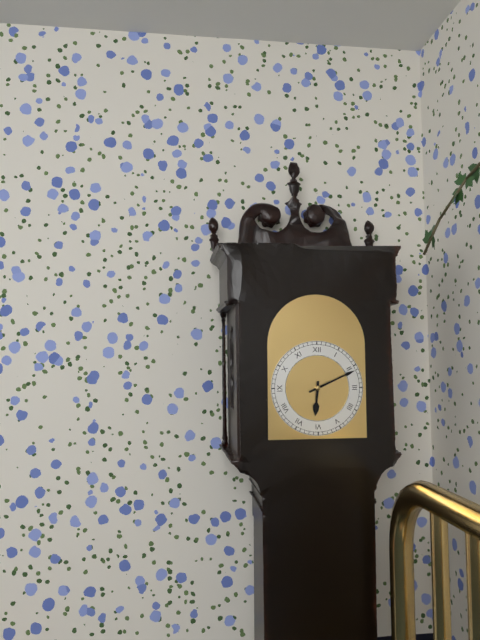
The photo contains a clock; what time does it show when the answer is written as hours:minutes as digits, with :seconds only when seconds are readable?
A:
6:11
